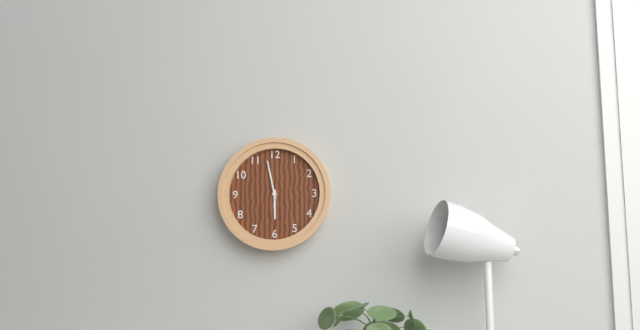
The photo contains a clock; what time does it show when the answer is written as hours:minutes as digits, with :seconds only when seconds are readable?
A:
5:58
